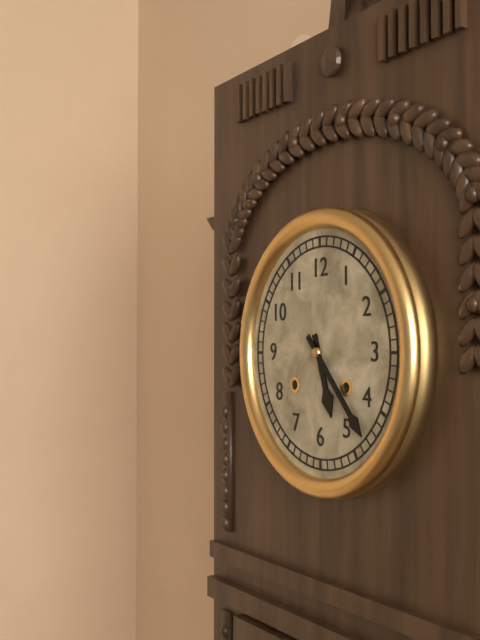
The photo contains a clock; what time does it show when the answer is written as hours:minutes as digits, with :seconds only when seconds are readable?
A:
5:23
